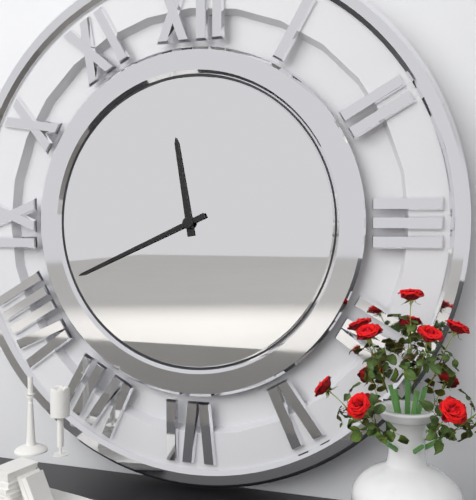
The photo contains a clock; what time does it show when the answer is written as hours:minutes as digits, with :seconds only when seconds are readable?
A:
11:41
